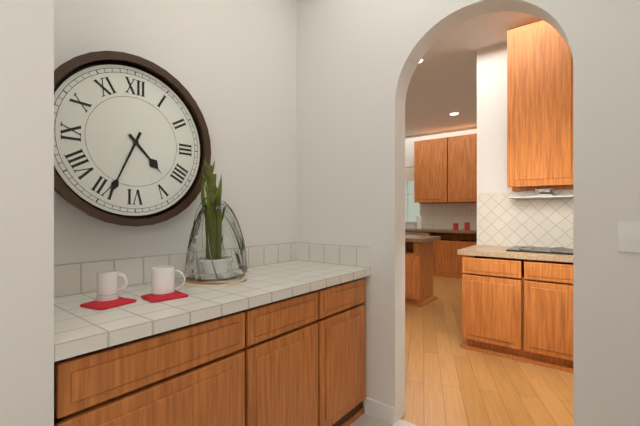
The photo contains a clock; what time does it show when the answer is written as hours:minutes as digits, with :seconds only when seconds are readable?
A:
4:34
